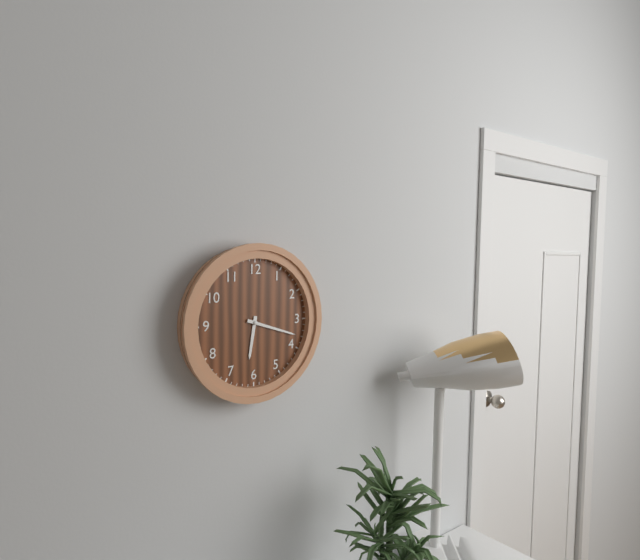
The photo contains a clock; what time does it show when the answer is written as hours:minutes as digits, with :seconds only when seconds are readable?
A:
6:18
